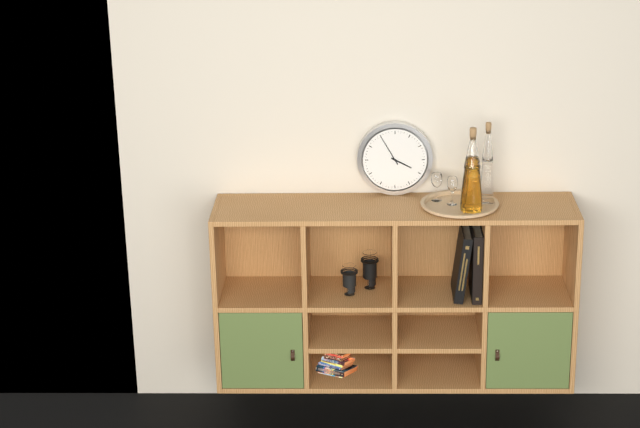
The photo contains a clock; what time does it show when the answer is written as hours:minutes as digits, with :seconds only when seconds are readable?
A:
3:55
